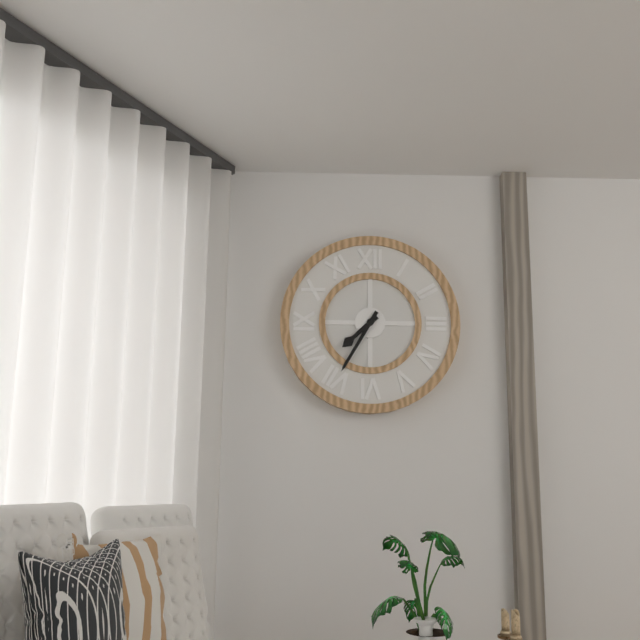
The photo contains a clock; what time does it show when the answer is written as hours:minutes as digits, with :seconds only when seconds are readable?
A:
7:35
